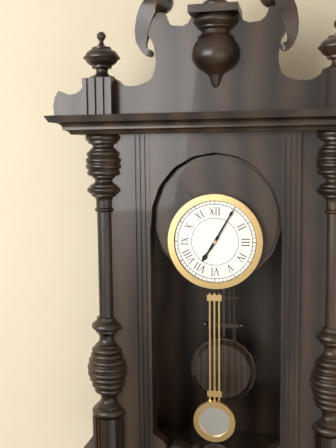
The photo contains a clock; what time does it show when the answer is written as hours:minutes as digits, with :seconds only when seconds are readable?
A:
7:05
